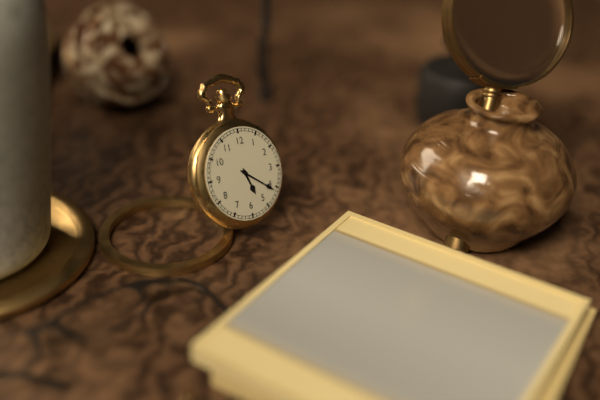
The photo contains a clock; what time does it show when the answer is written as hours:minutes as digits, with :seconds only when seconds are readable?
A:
5:21
